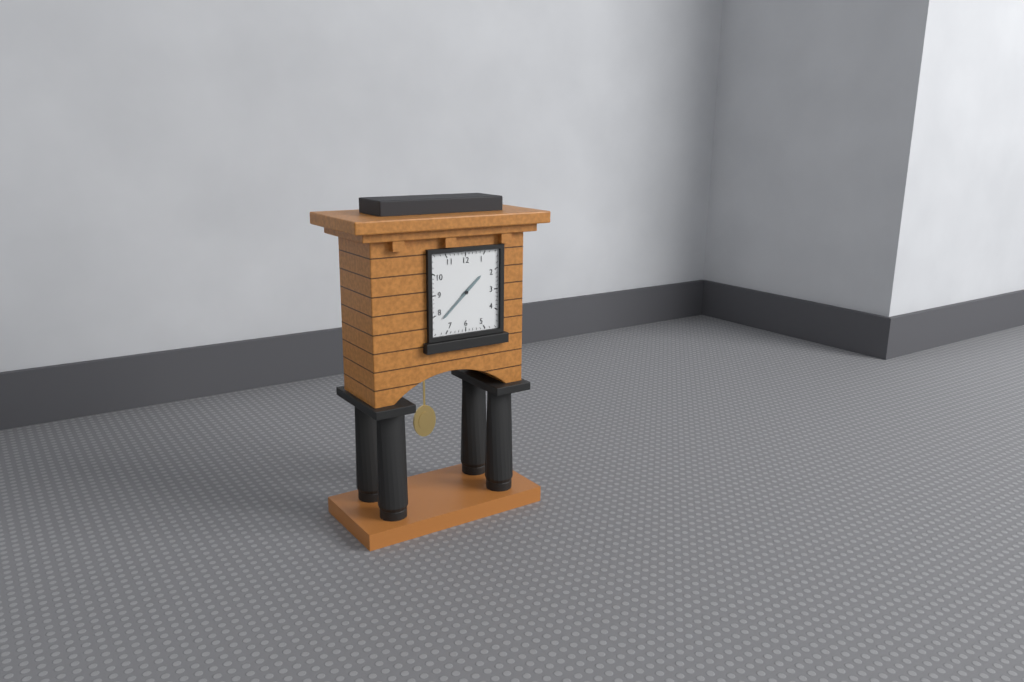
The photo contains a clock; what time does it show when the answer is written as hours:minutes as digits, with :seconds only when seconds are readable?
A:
1:38
